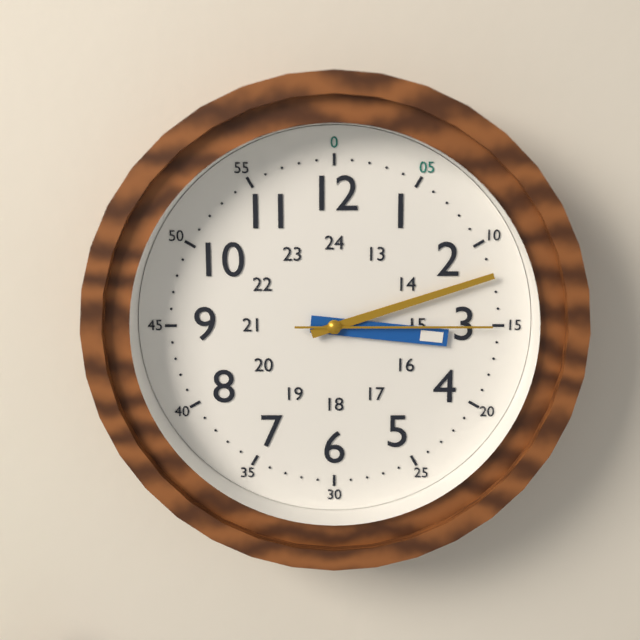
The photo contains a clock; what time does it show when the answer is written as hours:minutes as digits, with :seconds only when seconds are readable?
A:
3:12:15
